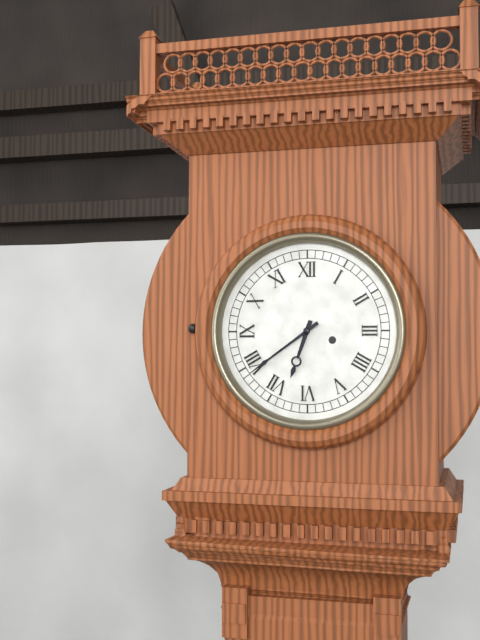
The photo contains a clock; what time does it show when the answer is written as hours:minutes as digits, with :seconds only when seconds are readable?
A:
6:39
